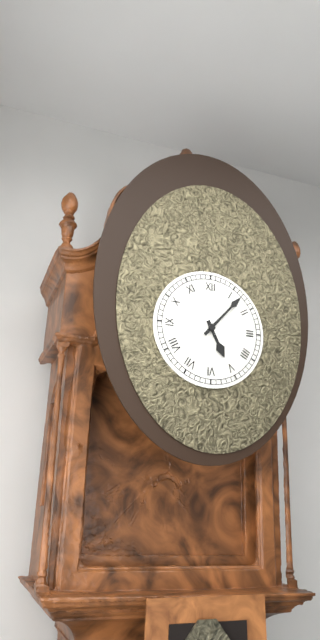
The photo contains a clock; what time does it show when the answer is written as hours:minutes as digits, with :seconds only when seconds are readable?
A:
5:07
